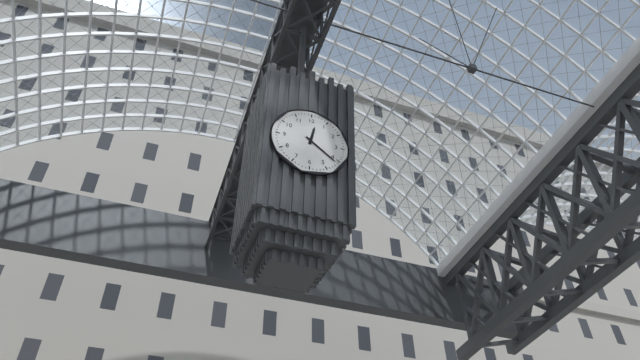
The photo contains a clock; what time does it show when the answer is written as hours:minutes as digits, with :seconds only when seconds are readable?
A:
12:21
